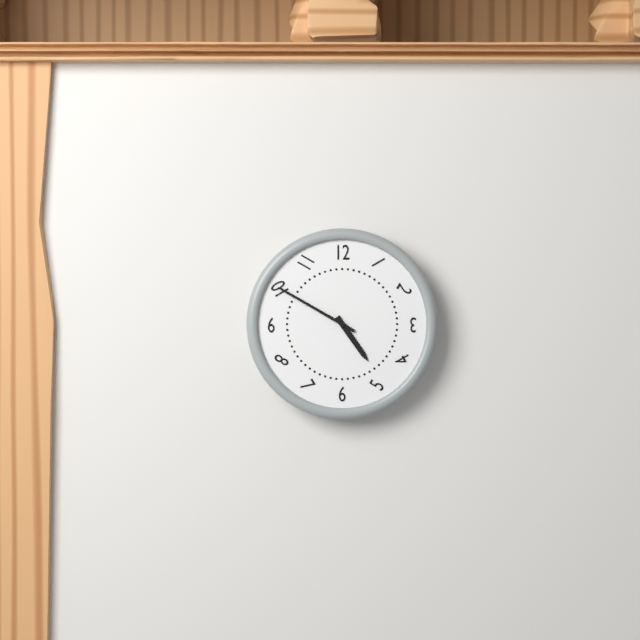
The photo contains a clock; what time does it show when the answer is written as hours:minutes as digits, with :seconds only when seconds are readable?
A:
4:50
